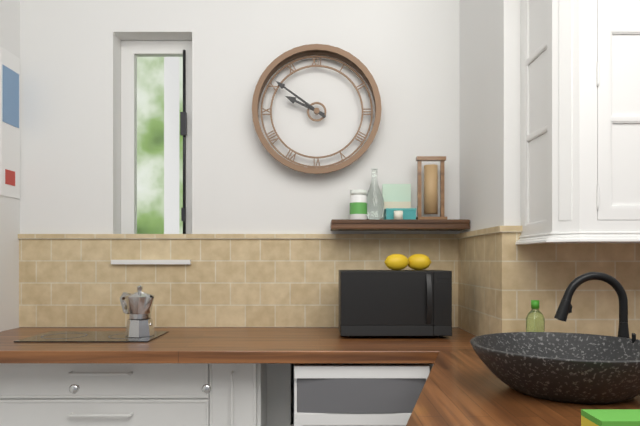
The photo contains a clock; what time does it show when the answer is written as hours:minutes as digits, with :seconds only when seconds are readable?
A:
9:51
